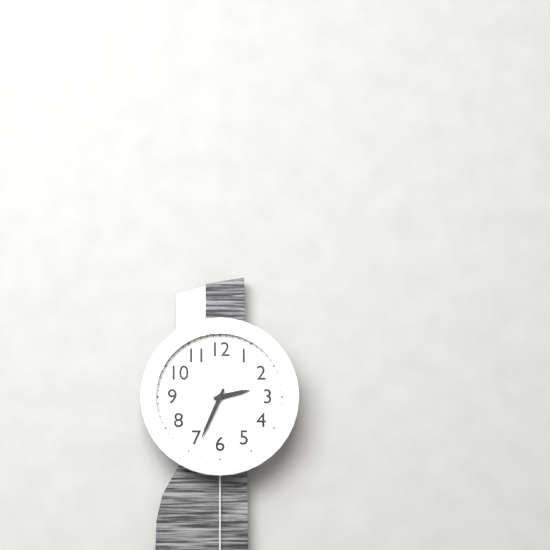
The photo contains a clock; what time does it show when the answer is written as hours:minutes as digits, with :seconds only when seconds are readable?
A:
2:34
